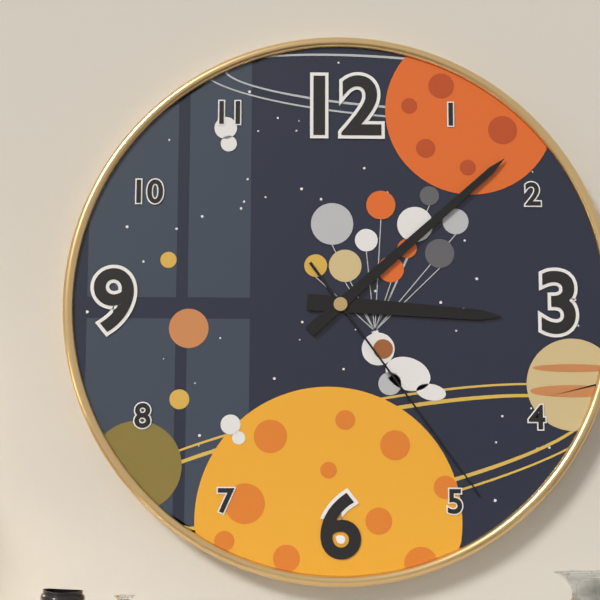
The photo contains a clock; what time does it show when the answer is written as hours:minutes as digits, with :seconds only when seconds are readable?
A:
3:08:24
